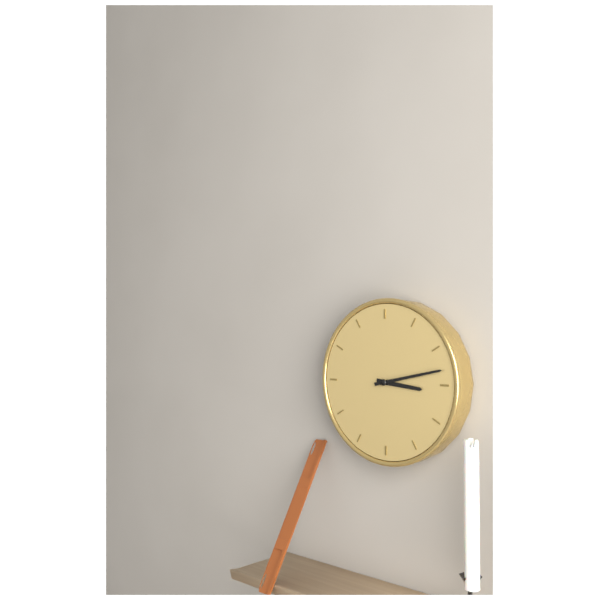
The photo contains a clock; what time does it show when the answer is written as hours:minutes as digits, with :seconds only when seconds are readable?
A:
3:13
